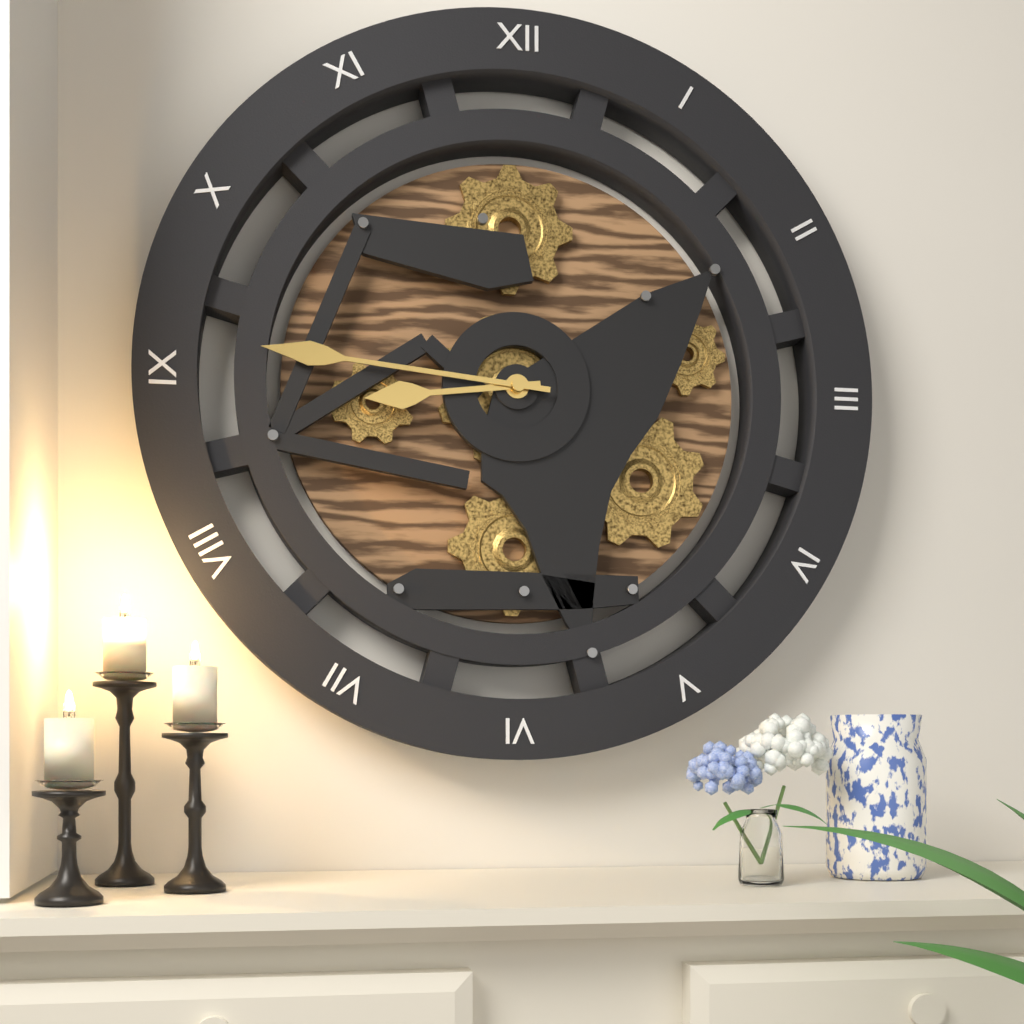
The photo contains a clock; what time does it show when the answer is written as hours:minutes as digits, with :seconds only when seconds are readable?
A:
8:46
